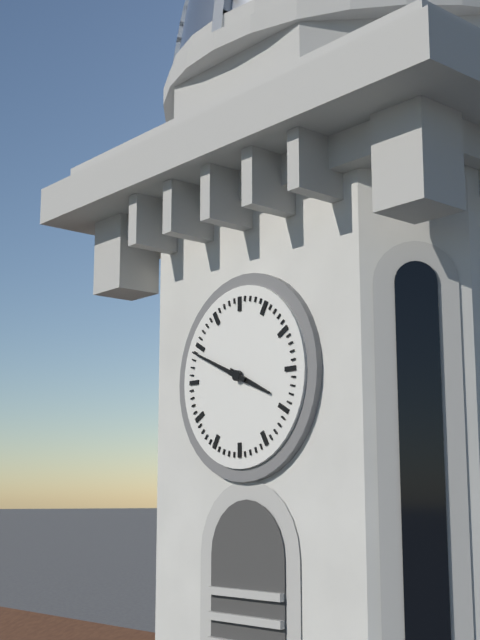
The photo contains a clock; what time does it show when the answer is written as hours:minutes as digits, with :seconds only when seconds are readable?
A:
3:49
